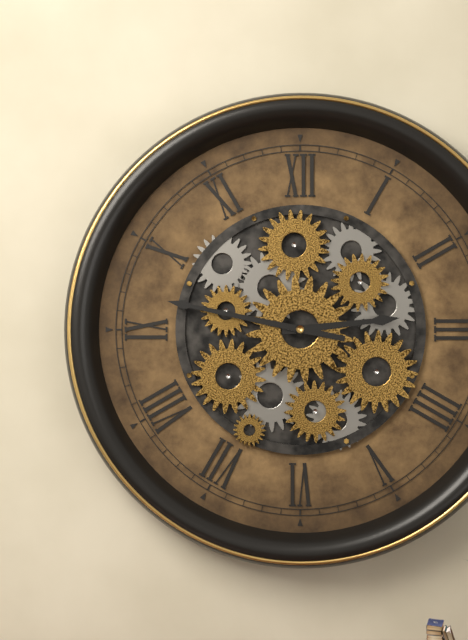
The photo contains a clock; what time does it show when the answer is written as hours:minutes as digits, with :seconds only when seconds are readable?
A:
2:47
